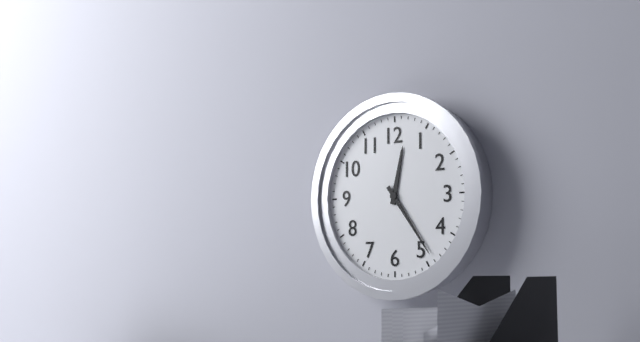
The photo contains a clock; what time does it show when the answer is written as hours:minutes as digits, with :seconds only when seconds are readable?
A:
12:24
